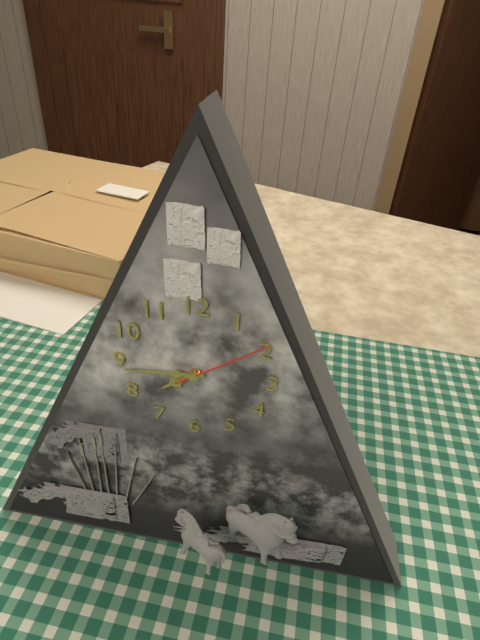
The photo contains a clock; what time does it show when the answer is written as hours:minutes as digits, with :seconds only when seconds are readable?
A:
7:44:09
